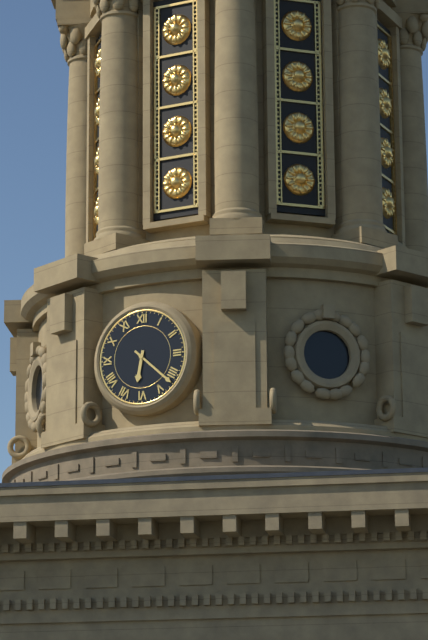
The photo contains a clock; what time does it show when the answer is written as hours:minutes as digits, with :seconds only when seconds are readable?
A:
6:22
